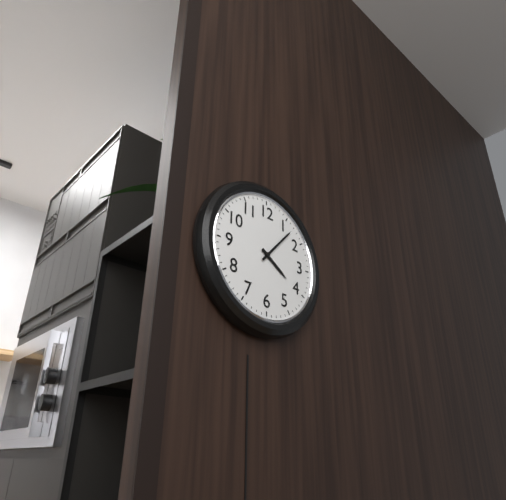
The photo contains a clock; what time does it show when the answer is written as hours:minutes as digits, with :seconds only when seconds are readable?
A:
4:07
